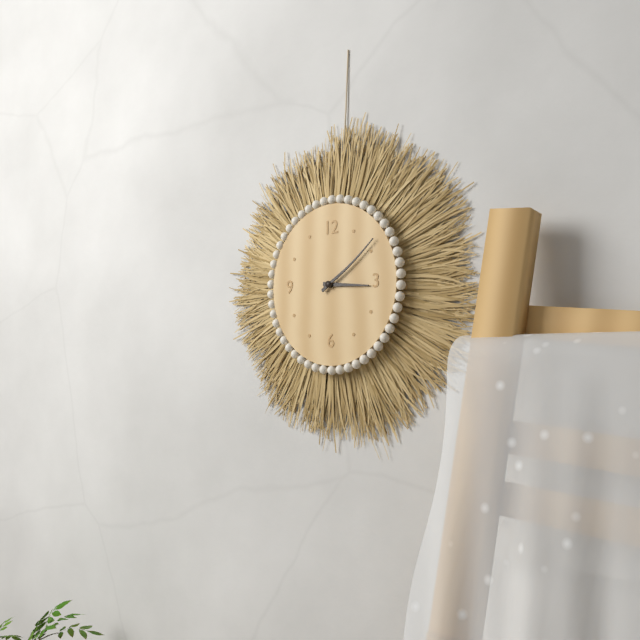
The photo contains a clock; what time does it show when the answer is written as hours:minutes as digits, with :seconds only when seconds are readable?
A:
3:09
